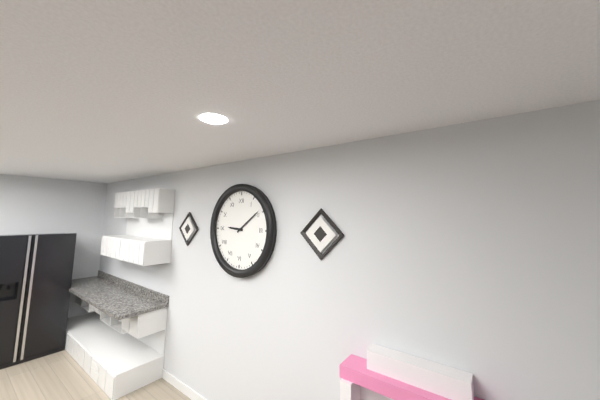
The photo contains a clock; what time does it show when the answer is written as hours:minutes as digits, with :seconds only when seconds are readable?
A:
9:09
